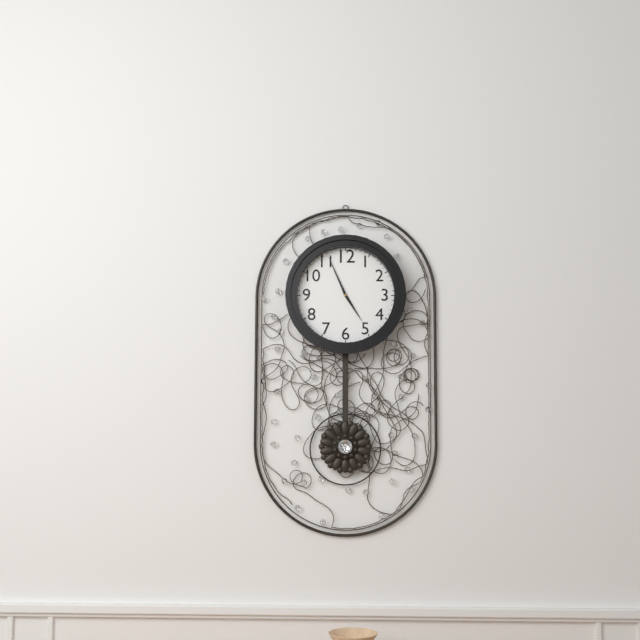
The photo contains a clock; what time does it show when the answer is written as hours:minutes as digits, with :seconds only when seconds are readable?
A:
4:56
